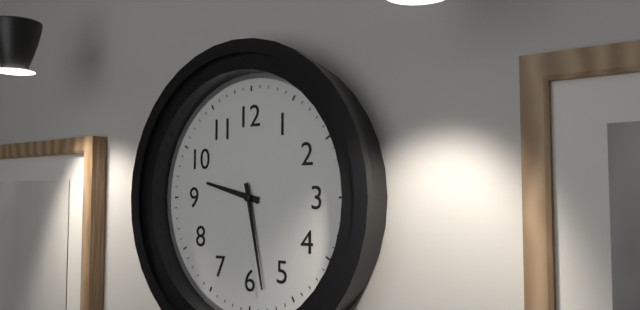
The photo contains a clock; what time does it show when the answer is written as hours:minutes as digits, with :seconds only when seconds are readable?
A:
9:28
